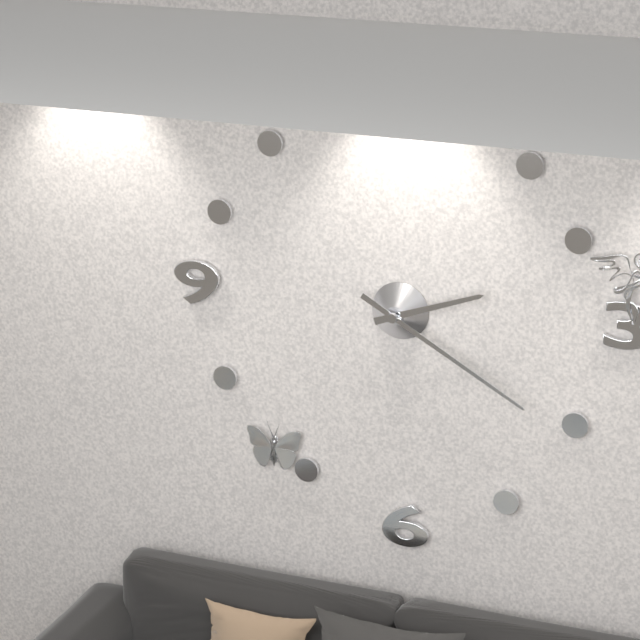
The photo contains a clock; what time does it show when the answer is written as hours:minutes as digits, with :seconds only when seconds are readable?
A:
2:20
